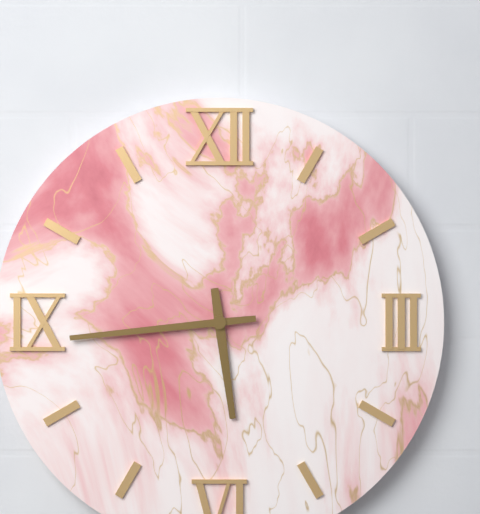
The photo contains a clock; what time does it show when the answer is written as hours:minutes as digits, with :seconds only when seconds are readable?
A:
5:44
